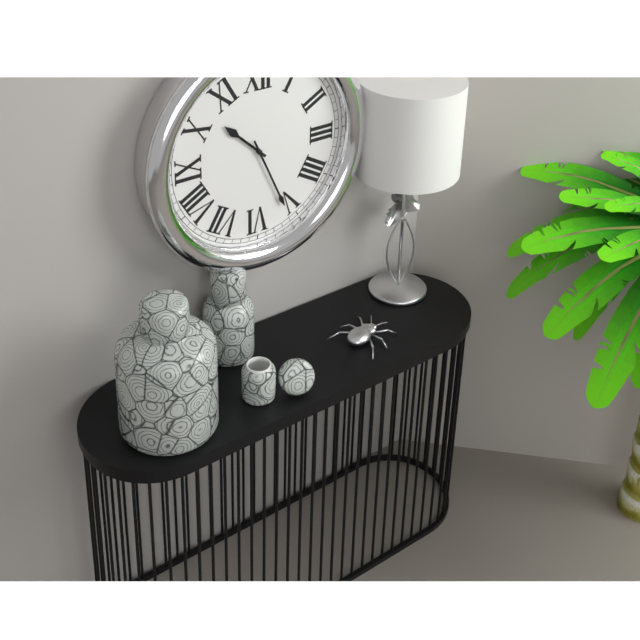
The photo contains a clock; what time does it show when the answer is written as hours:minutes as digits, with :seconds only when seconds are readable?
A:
10:26
